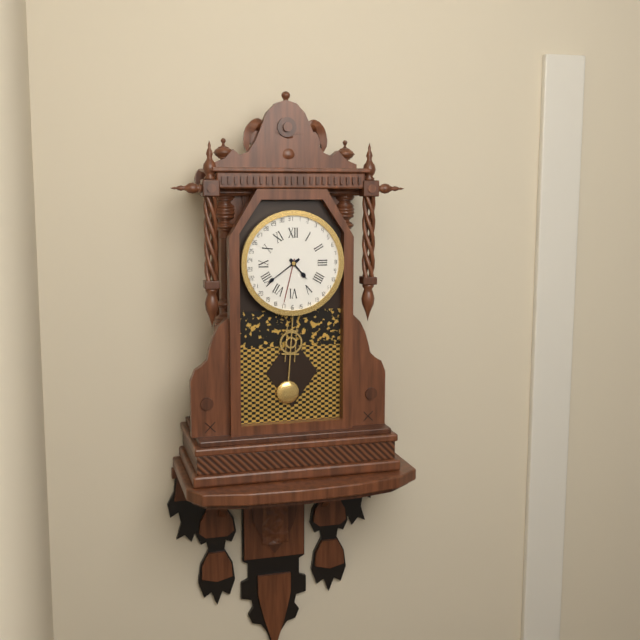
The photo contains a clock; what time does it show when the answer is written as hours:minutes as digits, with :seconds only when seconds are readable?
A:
4:39
